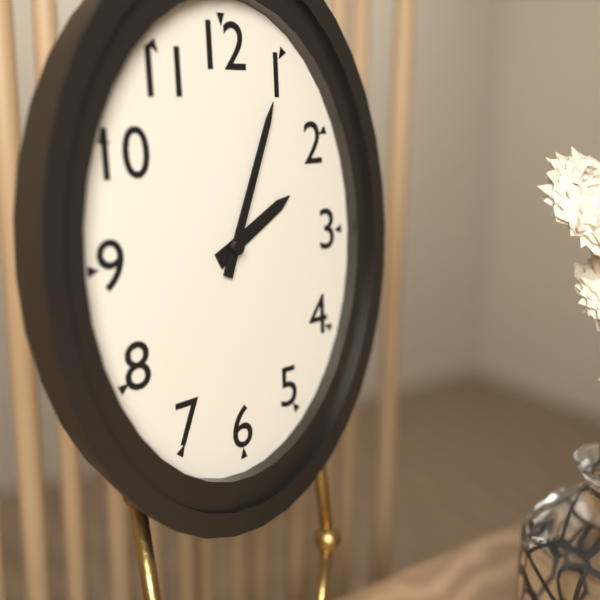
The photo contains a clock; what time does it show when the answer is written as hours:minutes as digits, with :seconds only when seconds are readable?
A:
2:04
